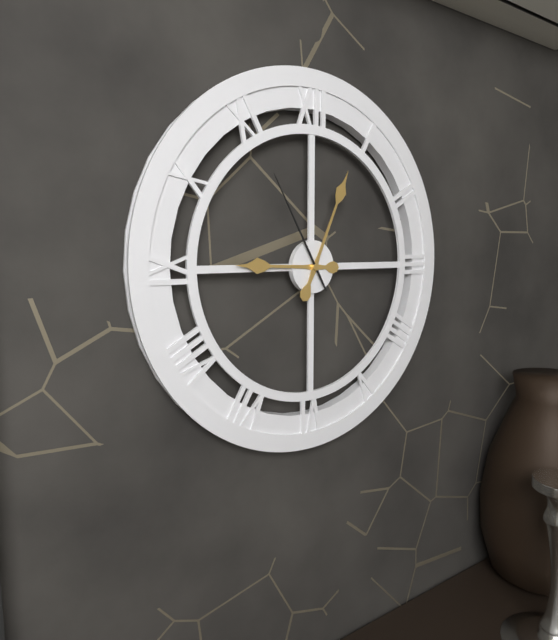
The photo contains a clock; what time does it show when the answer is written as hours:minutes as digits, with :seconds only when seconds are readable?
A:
9:04:55
